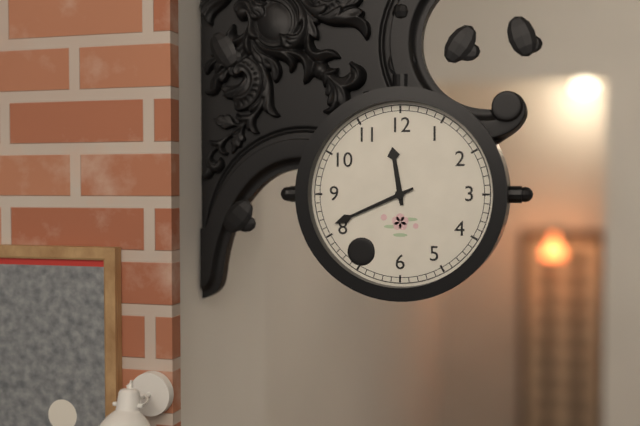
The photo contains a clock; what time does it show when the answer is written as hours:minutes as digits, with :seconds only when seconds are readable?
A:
11:41
